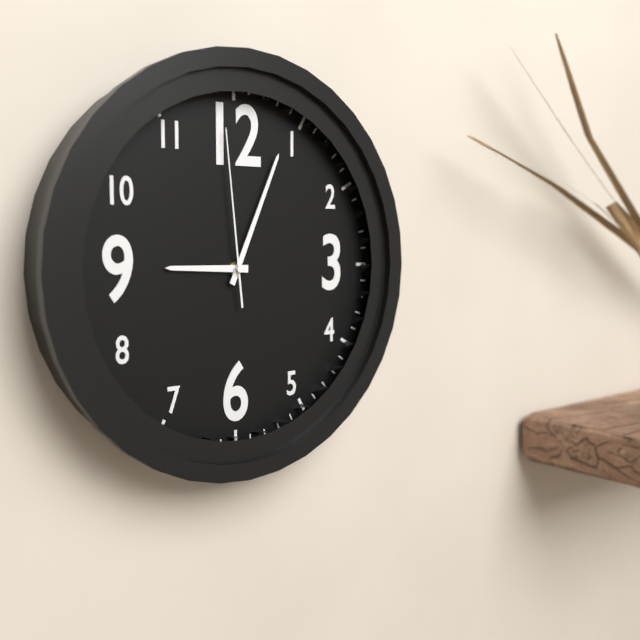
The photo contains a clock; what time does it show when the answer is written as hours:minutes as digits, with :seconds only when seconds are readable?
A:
9:04:59
